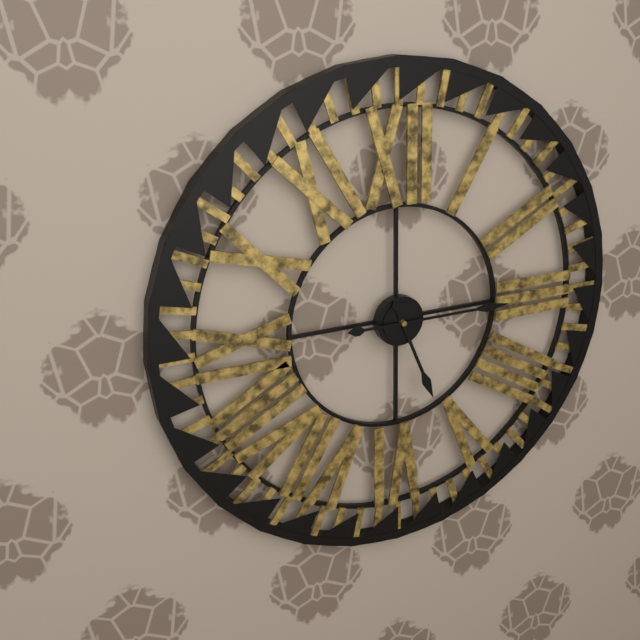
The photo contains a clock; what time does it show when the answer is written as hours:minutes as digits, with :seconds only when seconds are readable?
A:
5:15
